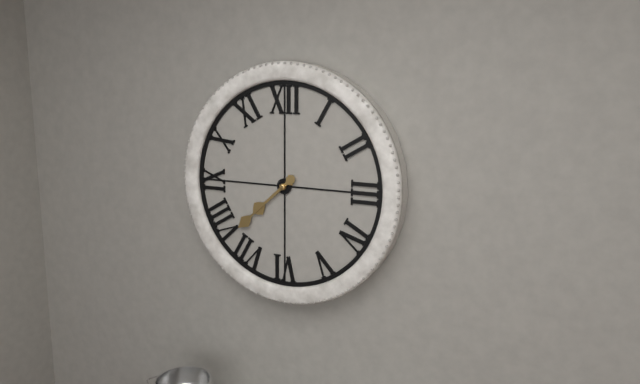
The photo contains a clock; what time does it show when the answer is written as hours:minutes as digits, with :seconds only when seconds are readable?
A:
7:38
